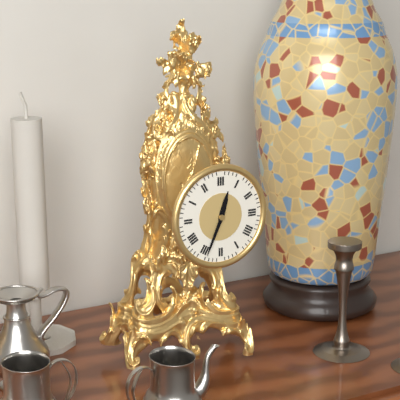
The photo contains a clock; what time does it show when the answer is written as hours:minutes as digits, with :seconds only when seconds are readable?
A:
12:34
